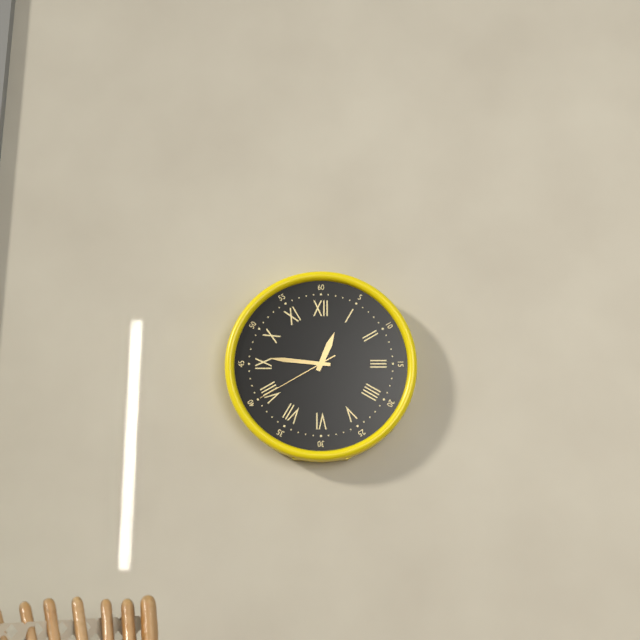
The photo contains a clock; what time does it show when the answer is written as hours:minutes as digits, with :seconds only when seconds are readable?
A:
12:46:40
